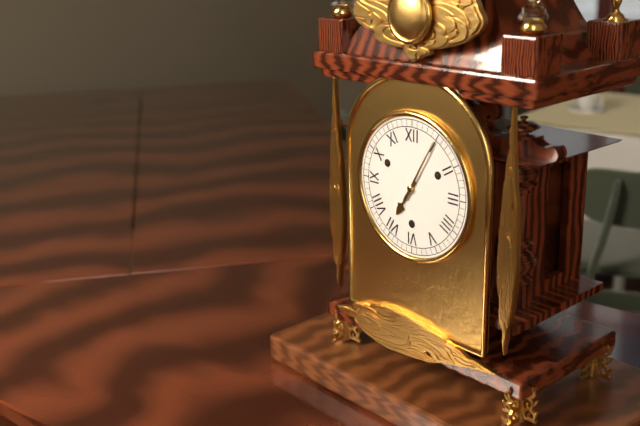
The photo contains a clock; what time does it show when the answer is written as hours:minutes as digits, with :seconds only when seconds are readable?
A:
7:05
